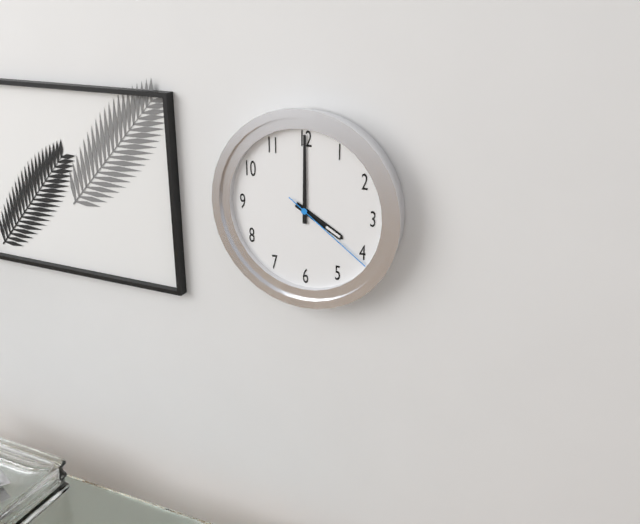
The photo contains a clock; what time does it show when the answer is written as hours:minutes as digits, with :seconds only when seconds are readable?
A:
4:00:21
